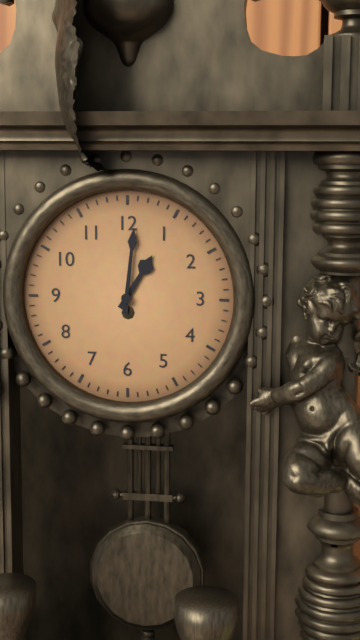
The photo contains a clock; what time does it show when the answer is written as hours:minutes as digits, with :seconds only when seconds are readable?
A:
1:01
